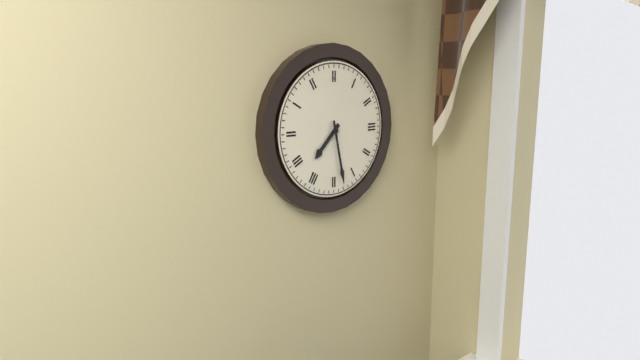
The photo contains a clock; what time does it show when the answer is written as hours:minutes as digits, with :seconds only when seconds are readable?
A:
7:28
